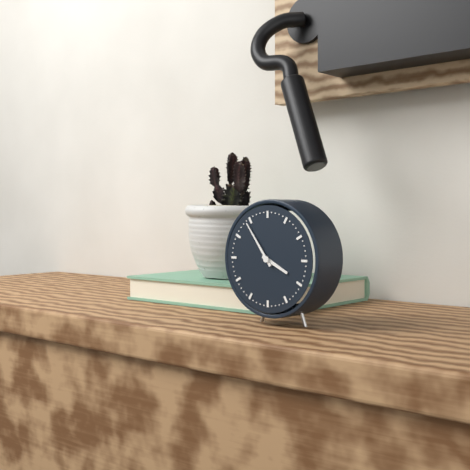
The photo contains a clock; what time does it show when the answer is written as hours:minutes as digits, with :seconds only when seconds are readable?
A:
3:54
